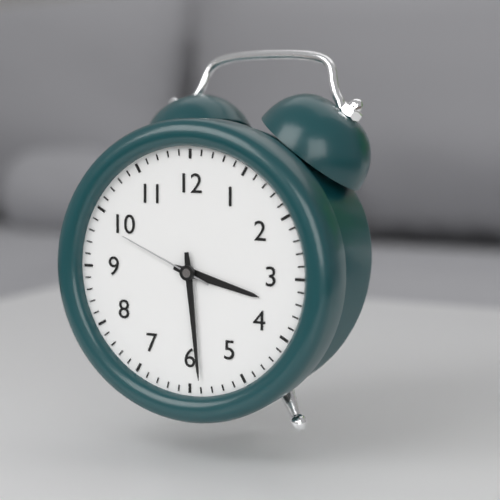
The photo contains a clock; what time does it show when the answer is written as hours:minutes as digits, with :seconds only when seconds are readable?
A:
3:29:49
